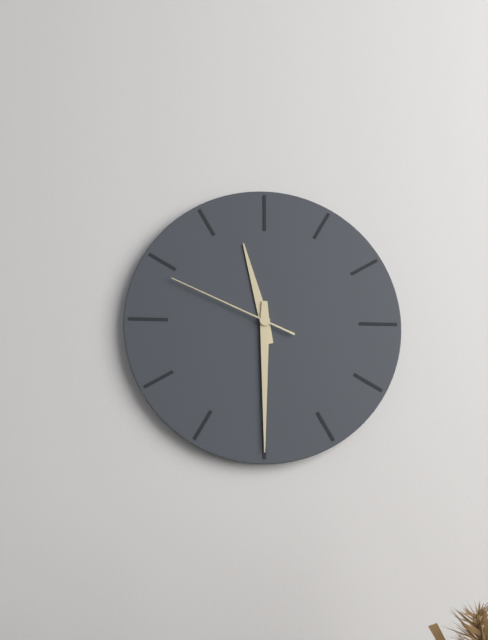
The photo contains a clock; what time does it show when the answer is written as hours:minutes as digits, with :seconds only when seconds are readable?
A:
11:30:49
